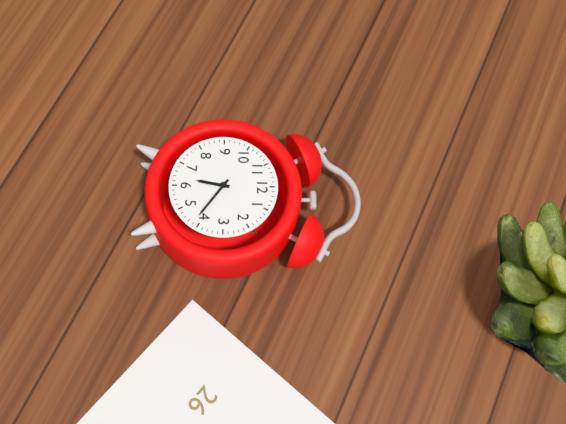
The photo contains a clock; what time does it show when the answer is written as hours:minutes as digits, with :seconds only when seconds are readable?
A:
6:21
